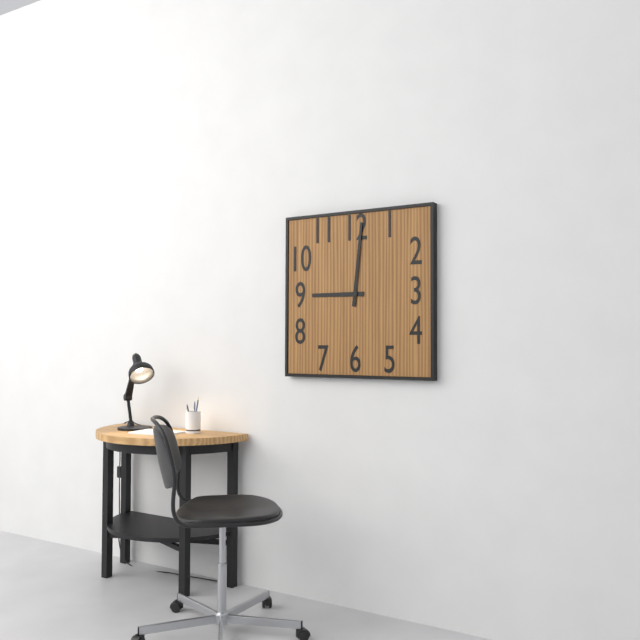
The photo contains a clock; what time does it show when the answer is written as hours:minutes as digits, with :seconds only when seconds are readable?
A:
9:01
